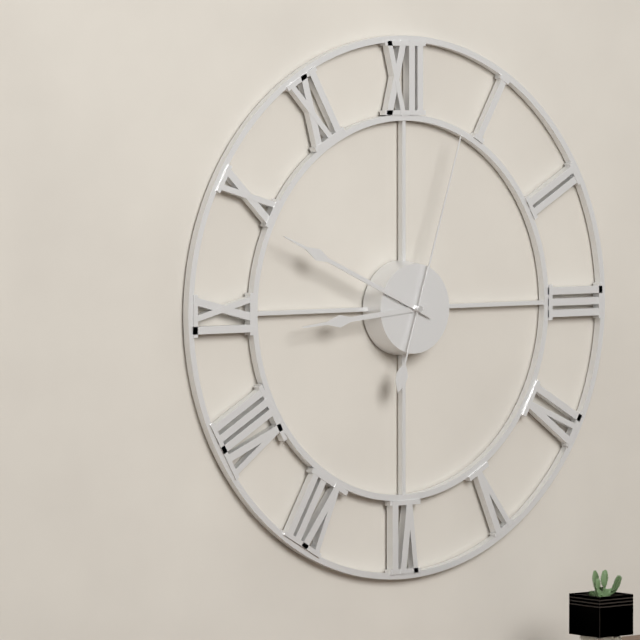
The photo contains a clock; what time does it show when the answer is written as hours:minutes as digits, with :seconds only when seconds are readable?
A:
8:49:03
